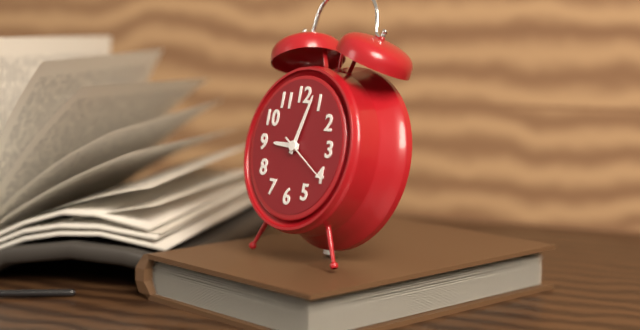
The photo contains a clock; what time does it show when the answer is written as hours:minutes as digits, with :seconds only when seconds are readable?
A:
9:03:20
